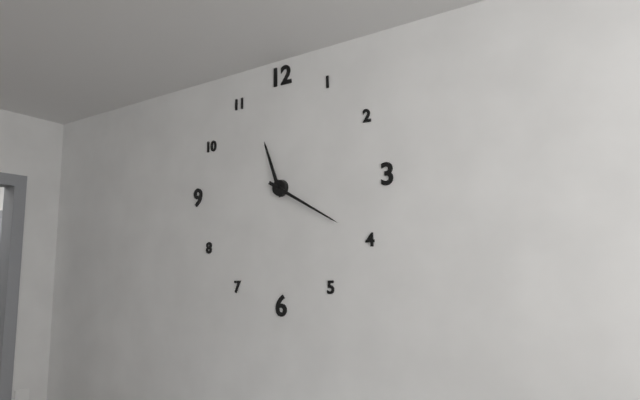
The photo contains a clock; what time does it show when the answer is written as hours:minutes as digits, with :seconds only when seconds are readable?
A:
11:20
